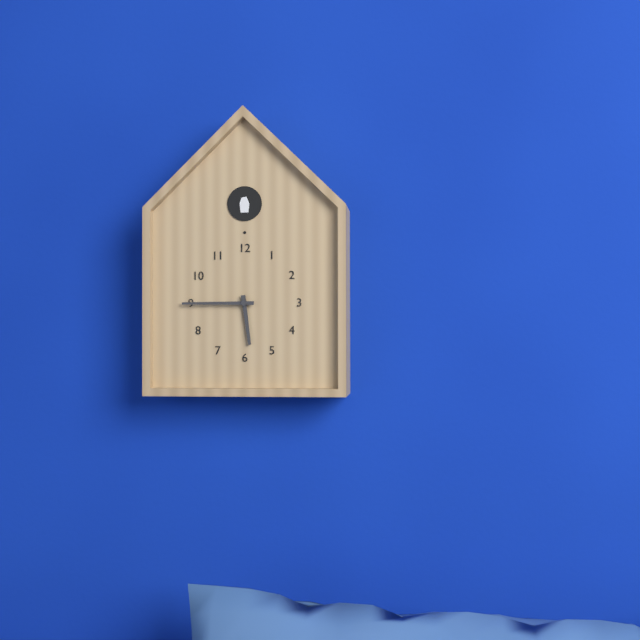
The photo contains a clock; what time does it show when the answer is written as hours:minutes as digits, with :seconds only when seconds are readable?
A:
5:45
